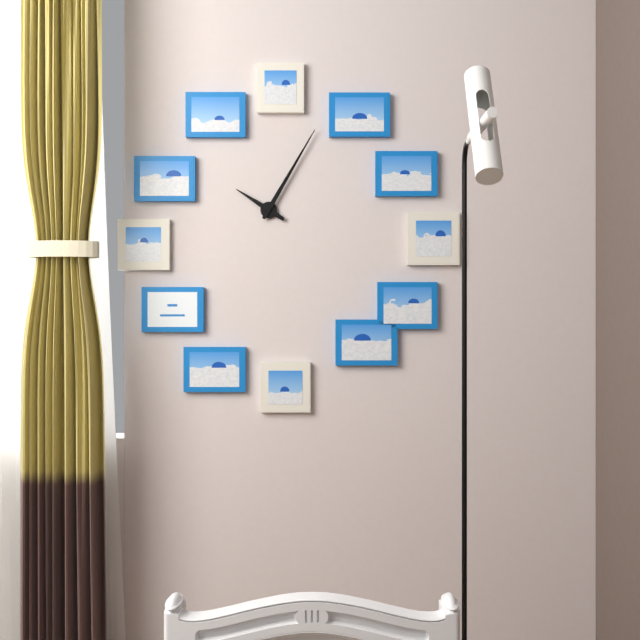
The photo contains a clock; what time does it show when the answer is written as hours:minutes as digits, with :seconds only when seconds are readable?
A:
10:05
